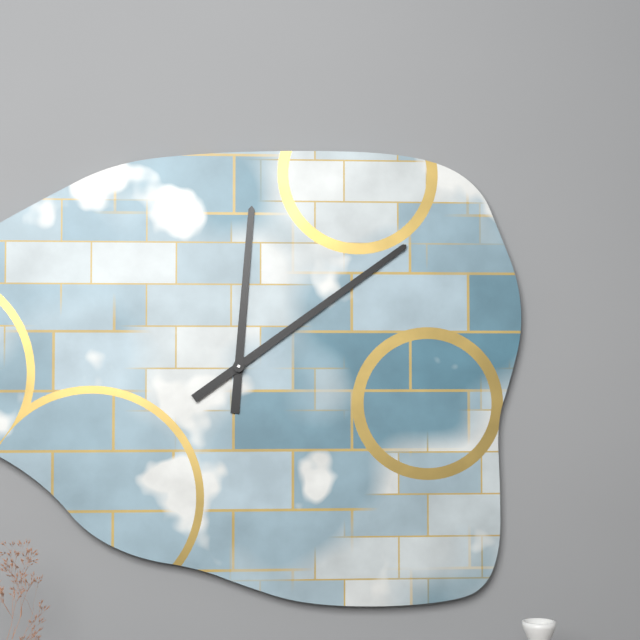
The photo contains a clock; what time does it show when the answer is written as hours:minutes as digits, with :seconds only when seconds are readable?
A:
12:09
